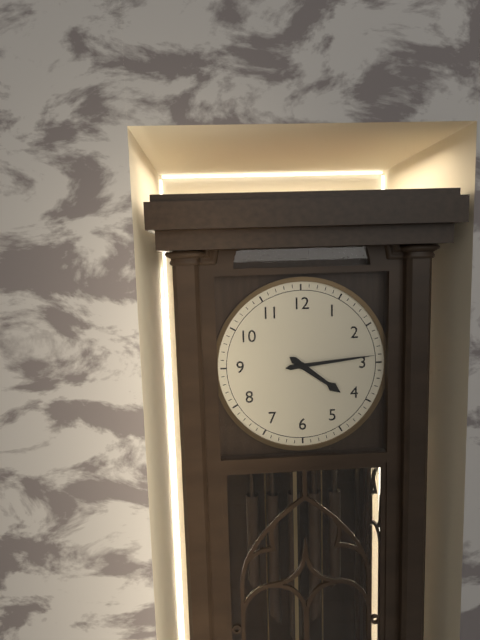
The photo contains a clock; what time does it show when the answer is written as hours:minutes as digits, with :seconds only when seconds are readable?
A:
4:14
